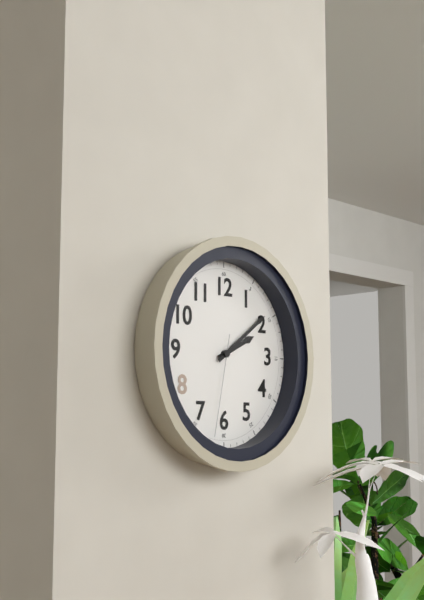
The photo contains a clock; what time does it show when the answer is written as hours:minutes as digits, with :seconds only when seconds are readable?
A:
2:09:32
